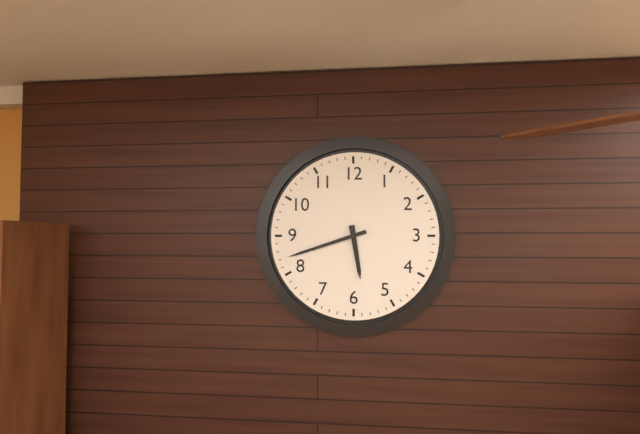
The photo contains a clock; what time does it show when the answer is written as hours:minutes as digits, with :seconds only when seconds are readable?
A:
5:42
